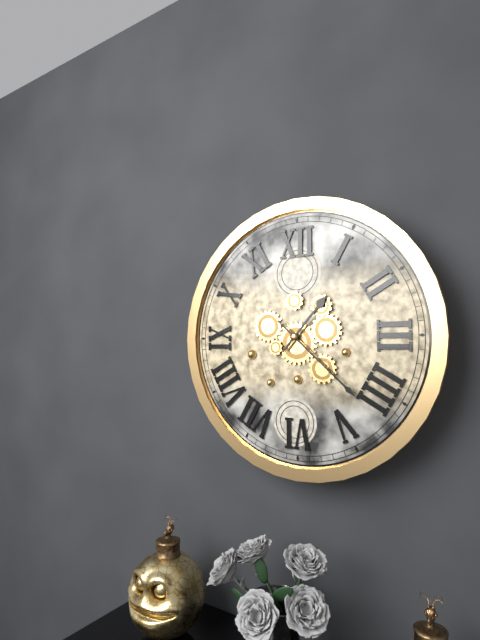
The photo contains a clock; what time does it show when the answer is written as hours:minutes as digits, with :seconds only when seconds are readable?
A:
1:22
